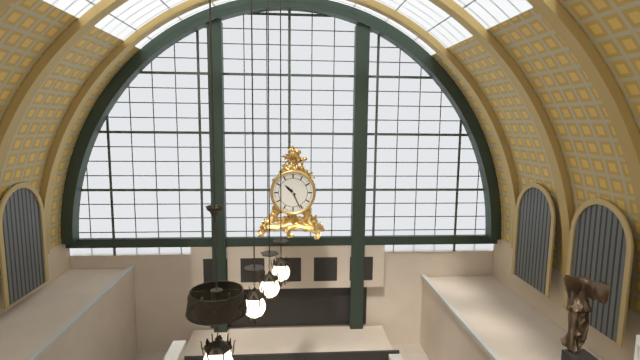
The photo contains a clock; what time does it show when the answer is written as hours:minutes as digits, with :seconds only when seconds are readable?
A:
10:26
